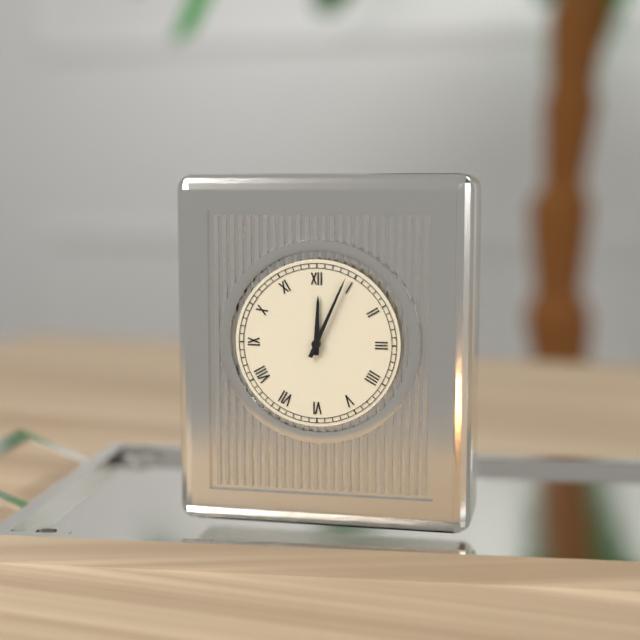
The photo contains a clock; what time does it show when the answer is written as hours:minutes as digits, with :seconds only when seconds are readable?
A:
12:04
